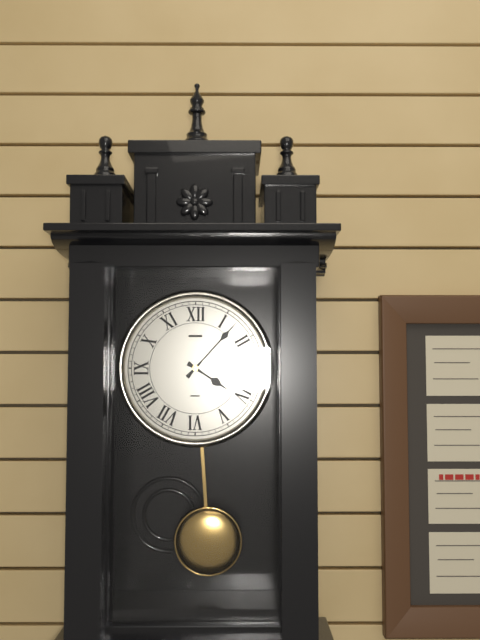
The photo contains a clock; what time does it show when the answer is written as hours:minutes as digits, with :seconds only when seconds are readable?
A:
4:07
